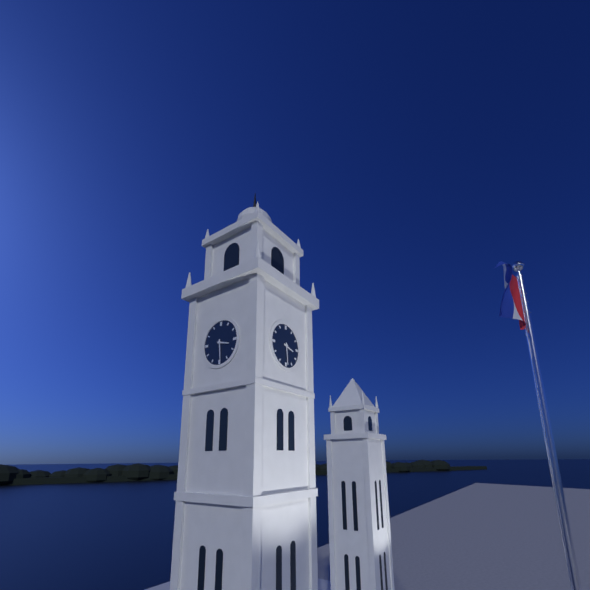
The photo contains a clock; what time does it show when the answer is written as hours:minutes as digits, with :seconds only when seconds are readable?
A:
3:29
